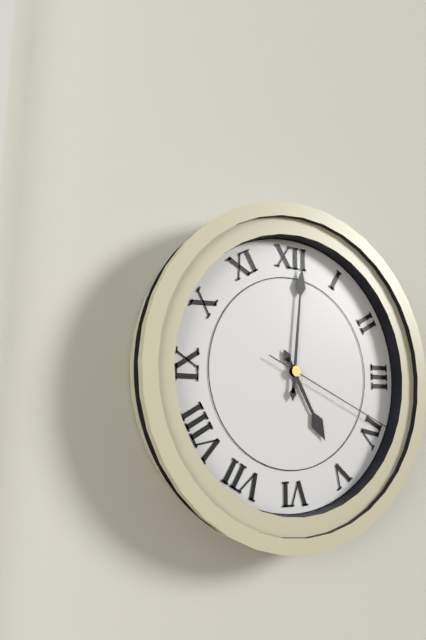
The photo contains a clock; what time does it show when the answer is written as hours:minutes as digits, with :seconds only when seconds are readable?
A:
5:01:19
